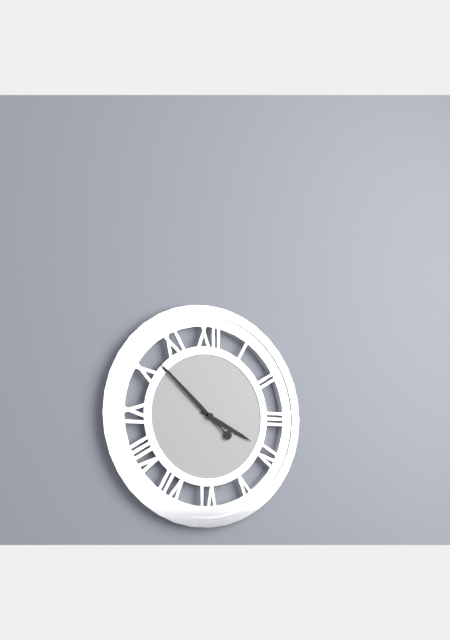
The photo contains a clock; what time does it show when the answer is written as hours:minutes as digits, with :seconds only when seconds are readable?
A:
3:52
